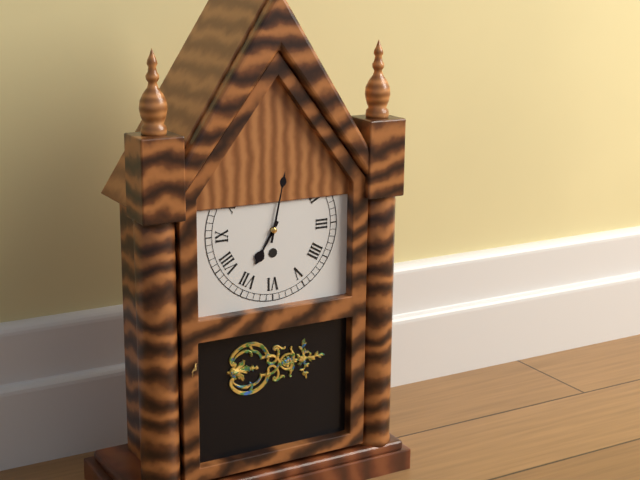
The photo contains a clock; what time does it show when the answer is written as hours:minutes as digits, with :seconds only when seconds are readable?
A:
7:02
